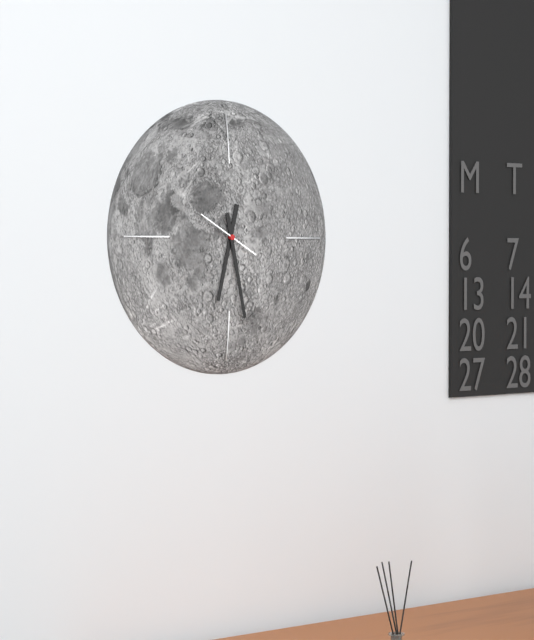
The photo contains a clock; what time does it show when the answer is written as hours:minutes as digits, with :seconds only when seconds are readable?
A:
6:28
